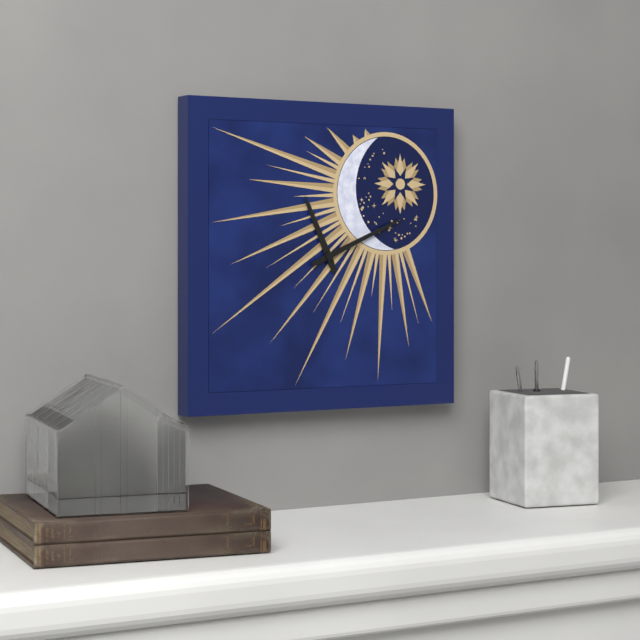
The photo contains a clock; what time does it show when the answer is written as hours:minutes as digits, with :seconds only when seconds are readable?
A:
11:11
